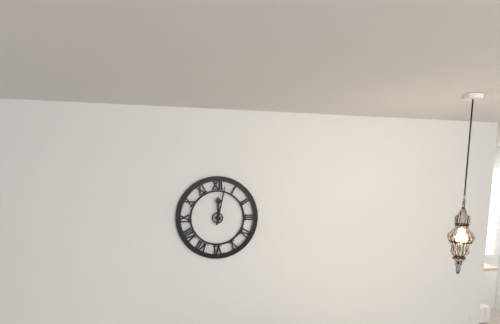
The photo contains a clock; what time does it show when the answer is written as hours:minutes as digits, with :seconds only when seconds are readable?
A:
12:02
